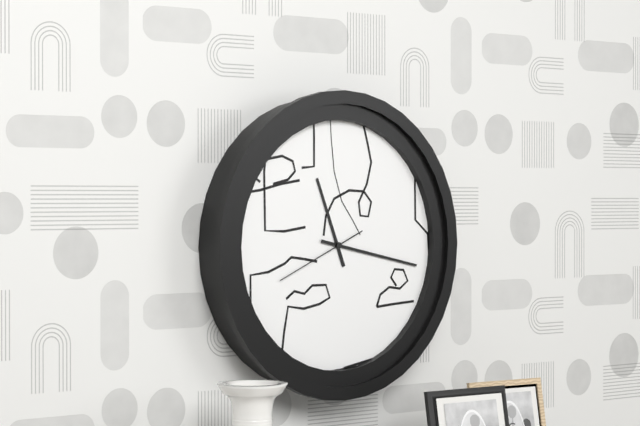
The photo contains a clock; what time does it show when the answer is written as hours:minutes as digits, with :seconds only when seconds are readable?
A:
11:17:41
